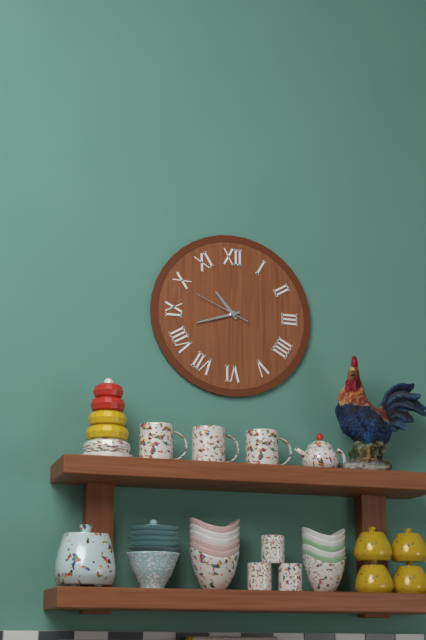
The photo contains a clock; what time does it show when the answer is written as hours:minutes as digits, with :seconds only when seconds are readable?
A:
10:42:49
